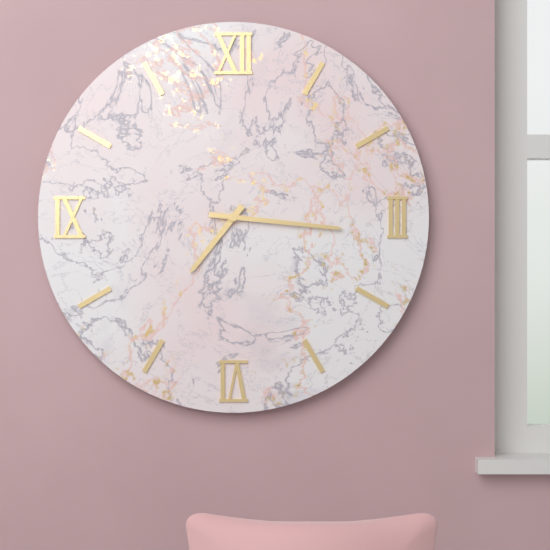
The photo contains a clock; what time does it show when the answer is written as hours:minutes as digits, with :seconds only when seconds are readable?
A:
7:16
